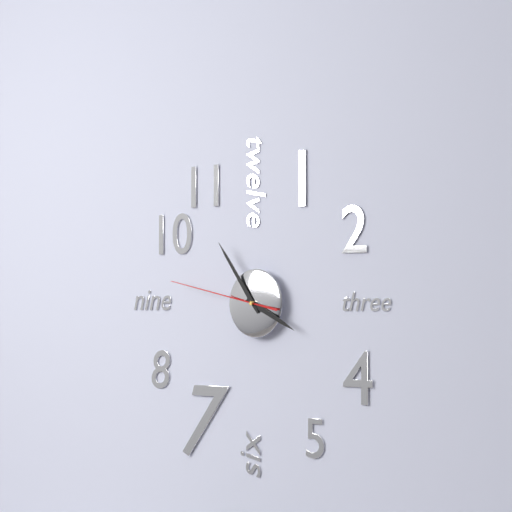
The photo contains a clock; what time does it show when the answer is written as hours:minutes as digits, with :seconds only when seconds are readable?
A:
3:54:47
